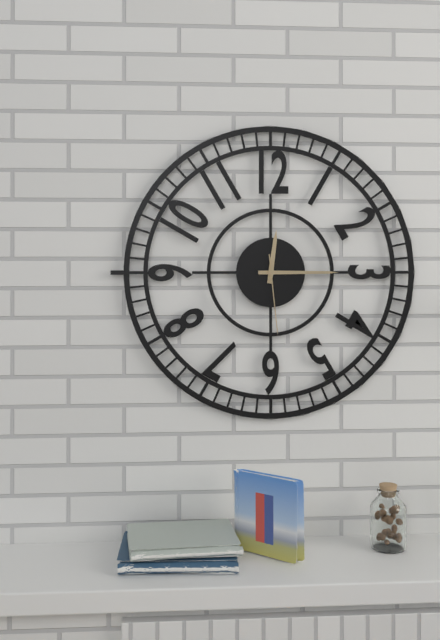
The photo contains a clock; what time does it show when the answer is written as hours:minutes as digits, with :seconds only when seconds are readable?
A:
12:15:29
